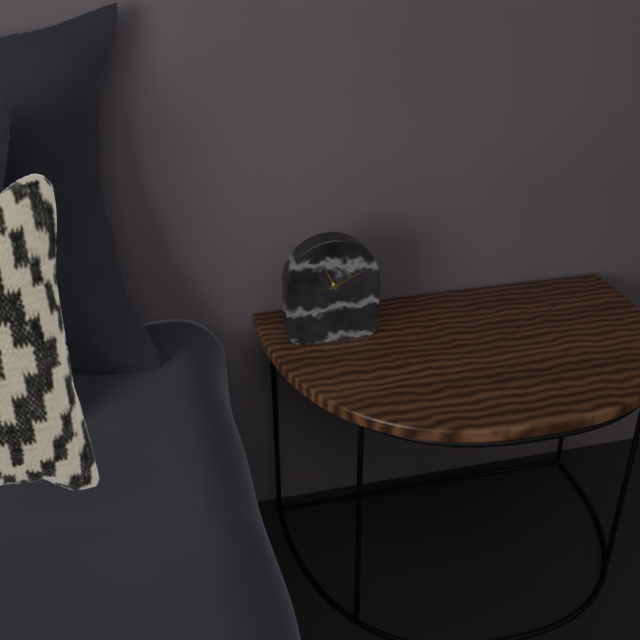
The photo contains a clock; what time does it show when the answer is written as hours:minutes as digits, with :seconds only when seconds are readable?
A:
11:11
